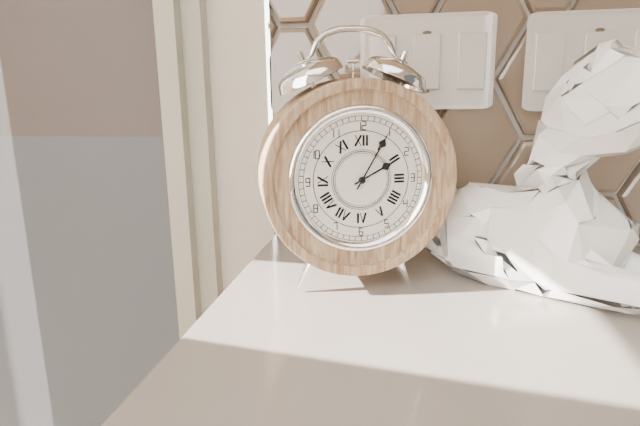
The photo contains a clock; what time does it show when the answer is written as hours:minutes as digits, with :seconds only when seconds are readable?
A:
2:05
